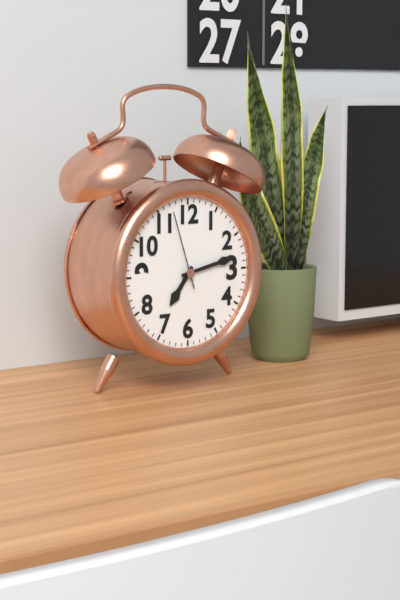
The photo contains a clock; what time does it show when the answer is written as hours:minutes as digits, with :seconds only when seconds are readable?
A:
7:13:57
